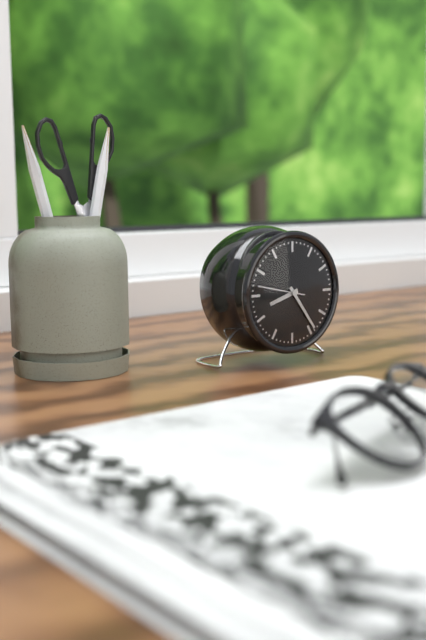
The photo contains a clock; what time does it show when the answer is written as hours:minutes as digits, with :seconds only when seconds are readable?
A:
8:24
